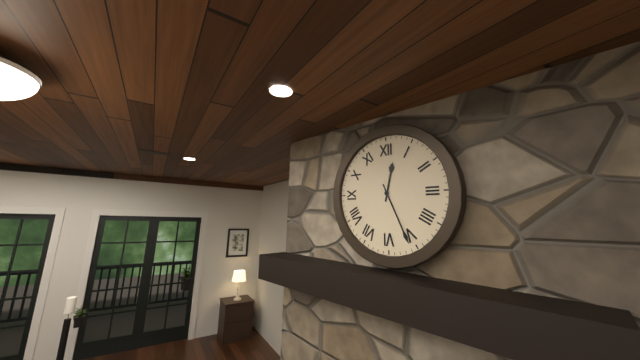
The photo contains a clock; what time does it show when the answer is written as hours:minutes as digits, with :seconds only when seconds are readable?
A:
12:26
